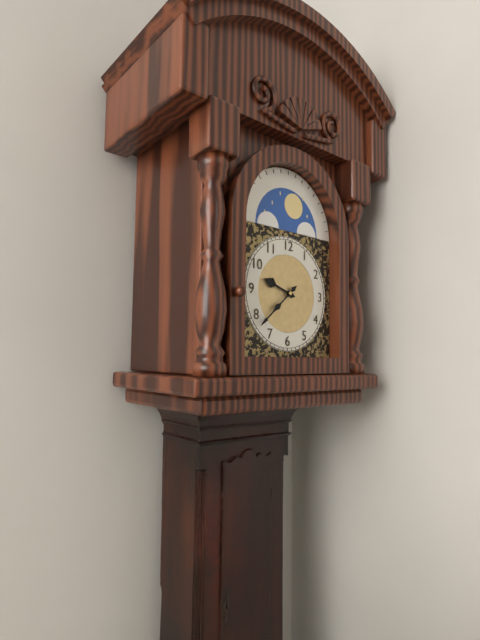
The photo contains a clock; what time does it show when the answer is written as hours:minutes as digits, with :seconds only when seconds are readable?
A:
9:38
